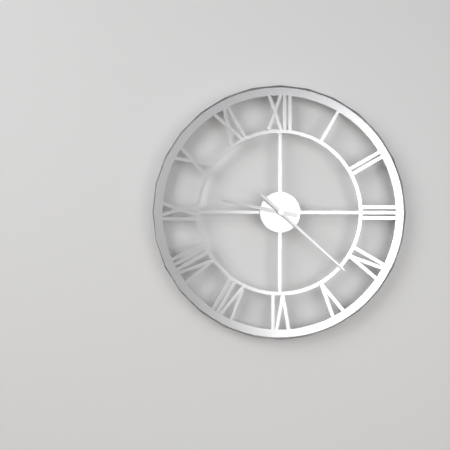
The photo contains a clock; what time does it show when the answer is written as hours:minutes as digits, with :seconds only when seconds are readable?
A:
9:22
